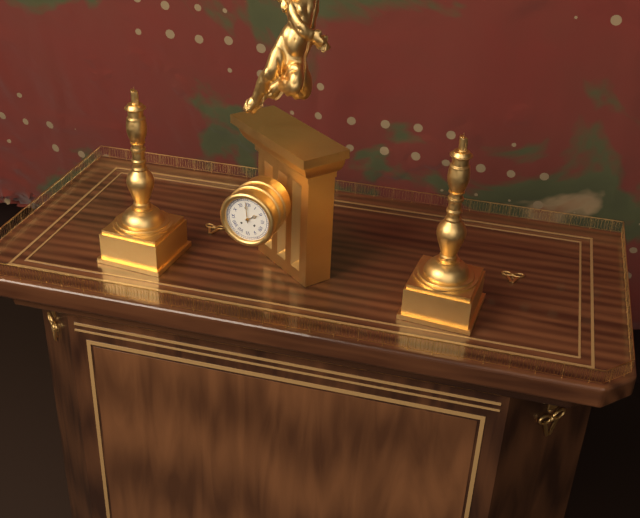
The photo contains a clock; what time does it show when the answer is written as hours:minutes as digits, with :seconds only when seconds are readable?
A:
1:59
